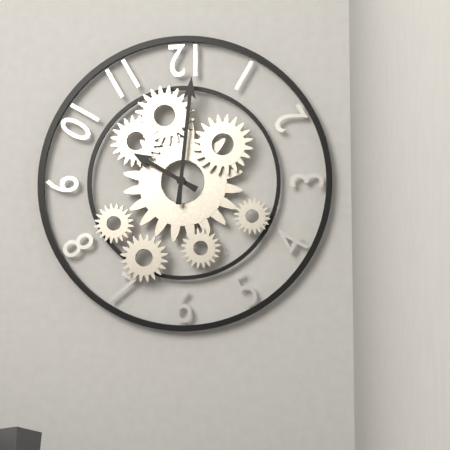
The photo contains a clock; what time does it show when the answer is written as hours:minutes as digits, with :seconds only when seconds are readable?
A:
10:01
